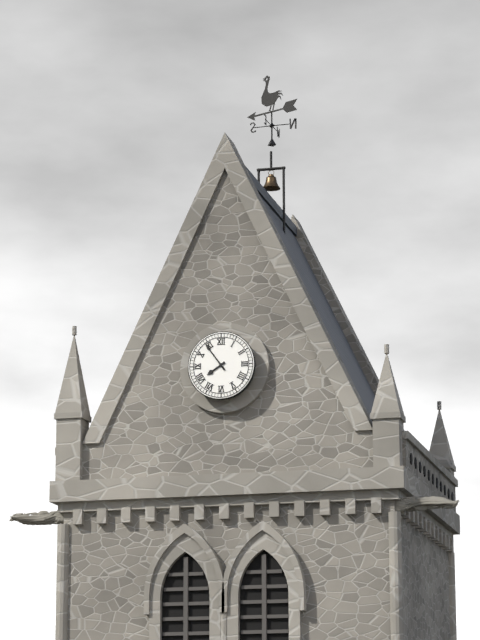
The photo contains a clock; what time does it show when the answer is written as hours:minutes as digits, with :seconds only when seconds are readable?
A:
7:54
